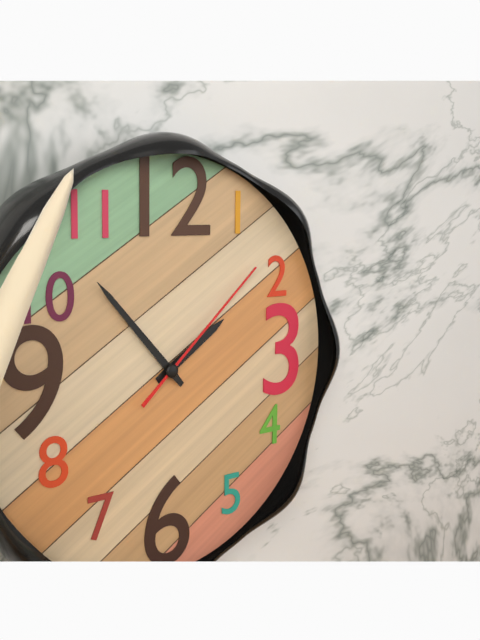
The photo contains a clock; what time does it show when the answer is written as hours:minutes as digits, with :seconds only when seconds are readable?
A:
1:53:08
